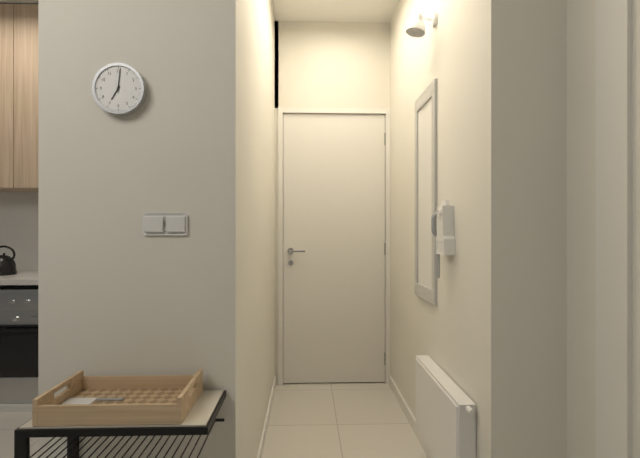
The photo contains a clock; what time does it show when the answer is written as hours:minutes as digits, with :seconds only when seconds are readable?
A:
7:01
